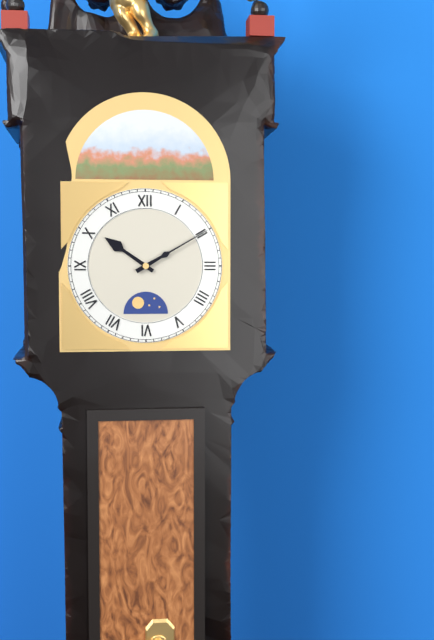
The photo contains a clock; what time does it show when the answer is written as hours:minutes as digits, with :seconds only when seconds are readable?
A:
10:10
